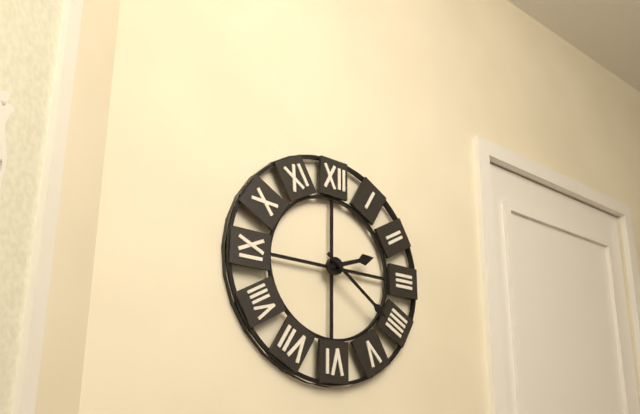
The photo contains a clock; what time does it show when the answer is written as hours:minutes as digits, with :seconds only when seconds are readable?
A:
2:21
